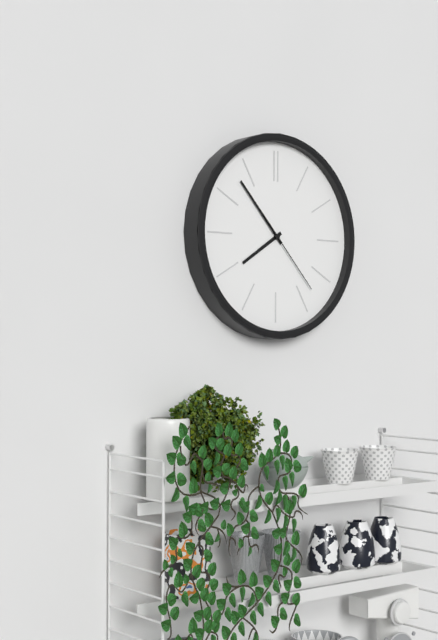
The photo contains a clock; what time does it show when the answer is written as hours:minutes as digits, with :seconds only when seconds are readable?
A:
7:53:23
